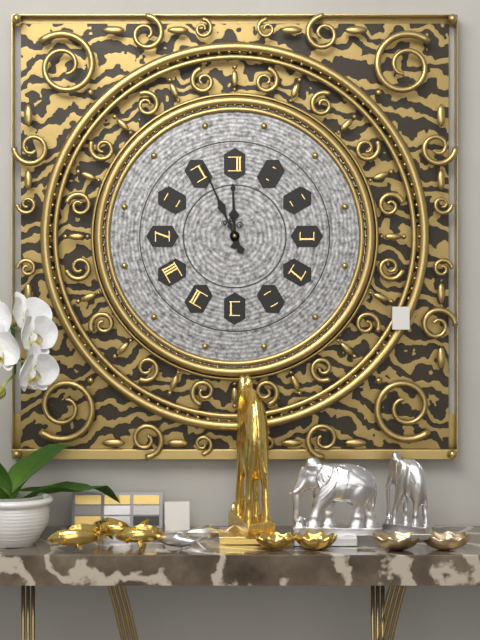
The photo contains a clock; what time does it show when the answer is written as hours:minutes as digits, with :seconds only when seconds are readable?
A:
11:56
